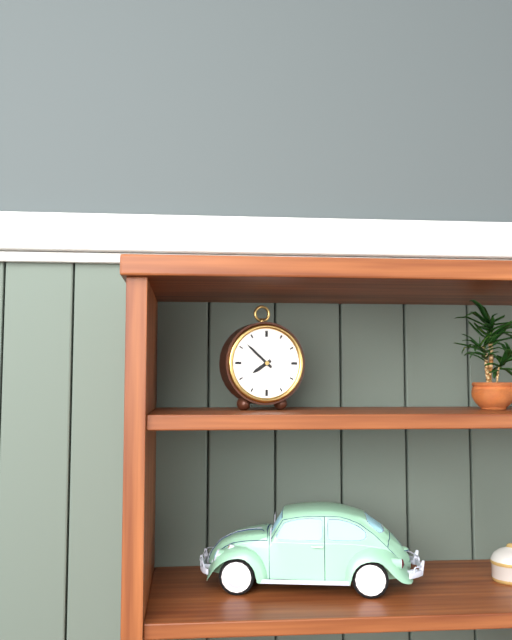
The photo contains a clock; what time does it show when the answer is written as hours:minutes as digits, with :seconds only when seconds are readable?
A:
7:52
